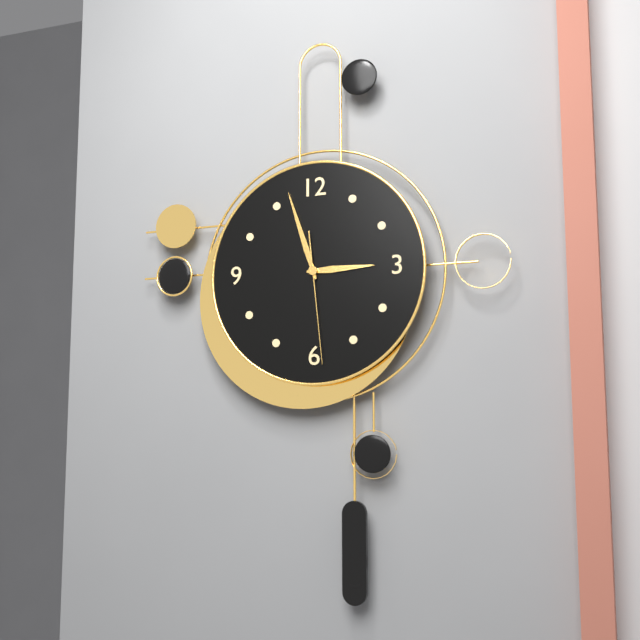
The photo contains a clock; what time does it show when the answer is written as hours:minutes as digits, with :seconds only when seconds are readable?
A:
2:57:29
